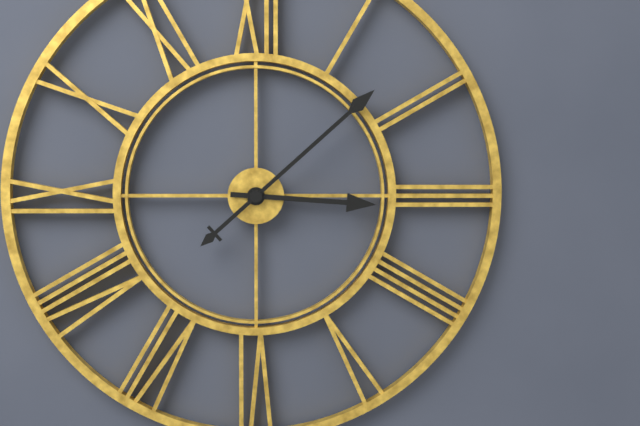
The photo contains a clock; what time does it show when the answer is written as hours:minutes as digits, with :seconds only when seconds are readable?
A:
3:08
